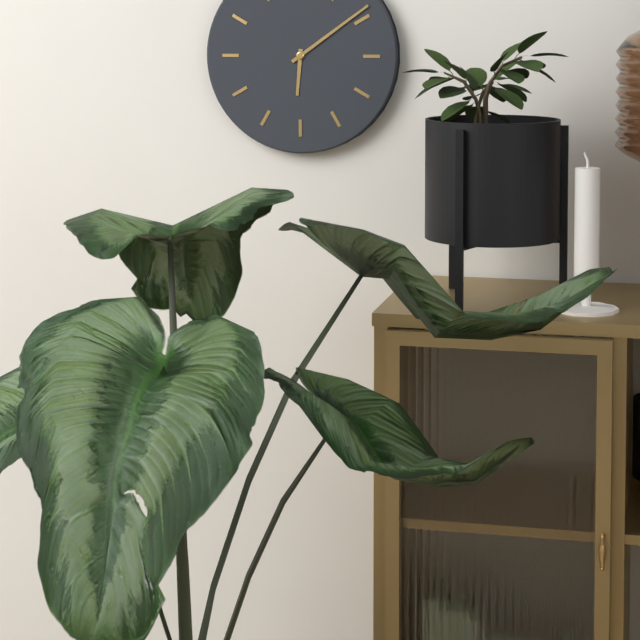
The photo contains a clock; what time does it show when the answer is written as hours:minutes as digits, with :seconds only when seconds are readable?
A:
6:09
